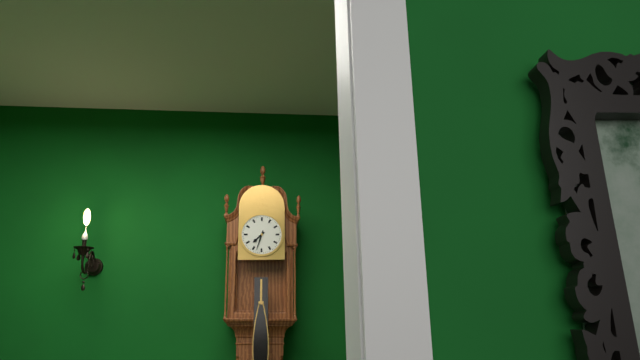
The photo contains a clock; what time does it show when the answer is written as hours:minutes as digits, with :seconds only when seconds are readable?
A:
7:33
